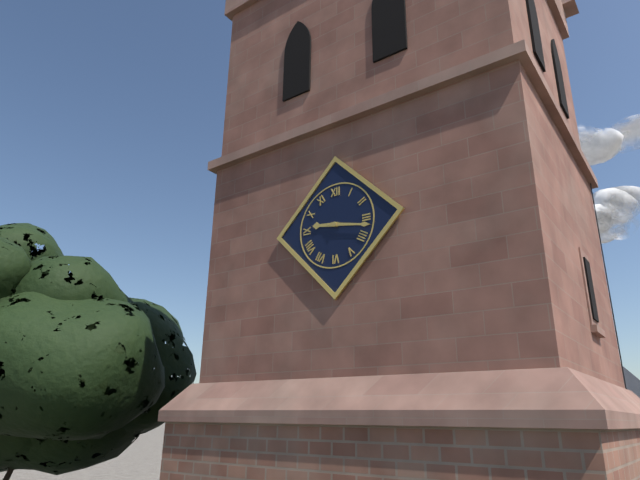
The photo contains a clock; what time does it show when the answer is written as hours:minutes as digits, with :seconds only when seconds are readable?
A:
9:17
